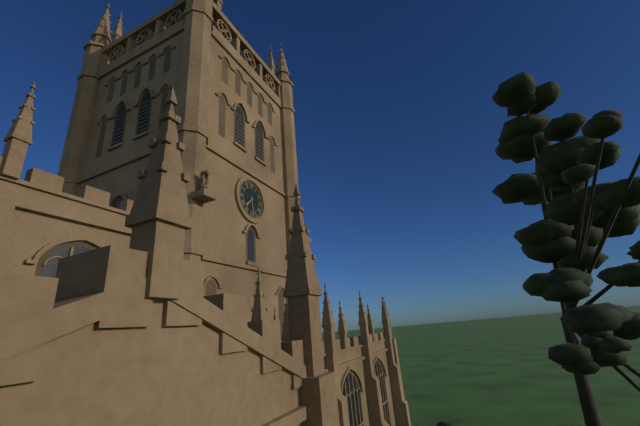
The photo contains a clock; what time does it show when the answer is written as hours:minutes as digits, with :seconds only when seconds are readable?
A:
7:28
